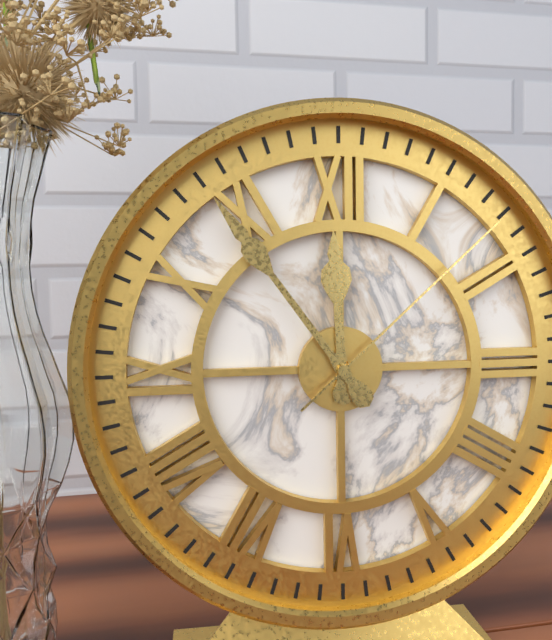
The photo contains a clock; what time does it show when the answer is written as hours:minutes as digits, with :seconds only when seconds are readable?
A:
11:54:08
